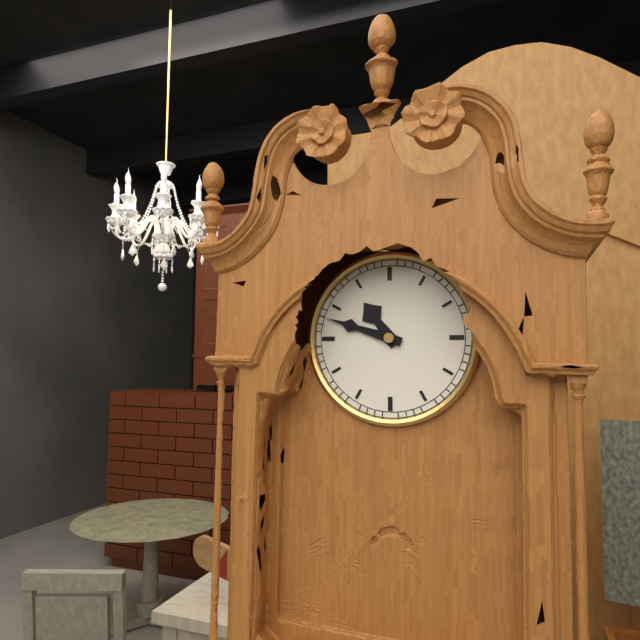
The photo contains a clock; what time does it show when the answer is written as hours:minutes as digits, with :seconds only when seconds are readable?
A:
10:48
